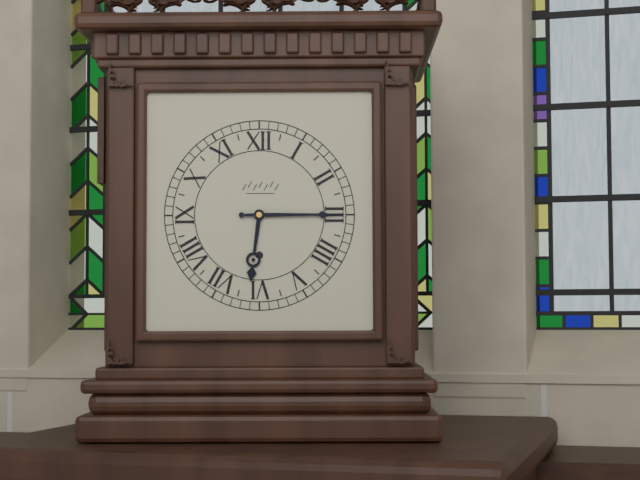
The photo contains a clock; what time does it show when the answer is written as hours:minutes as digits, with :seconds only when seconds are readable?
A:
6:15
